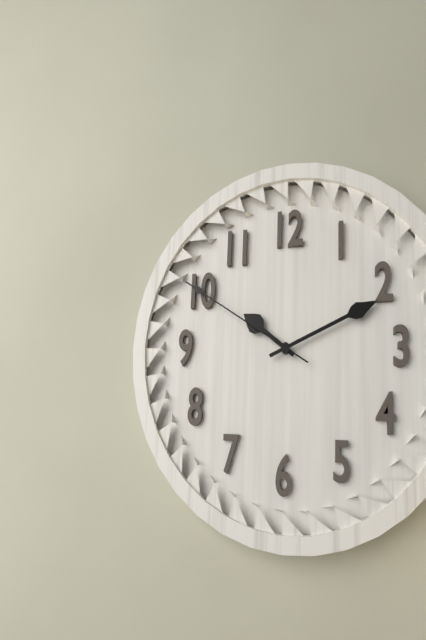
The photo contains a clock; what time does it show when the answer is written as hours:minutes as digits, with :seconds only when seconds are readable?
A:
10:11:50
